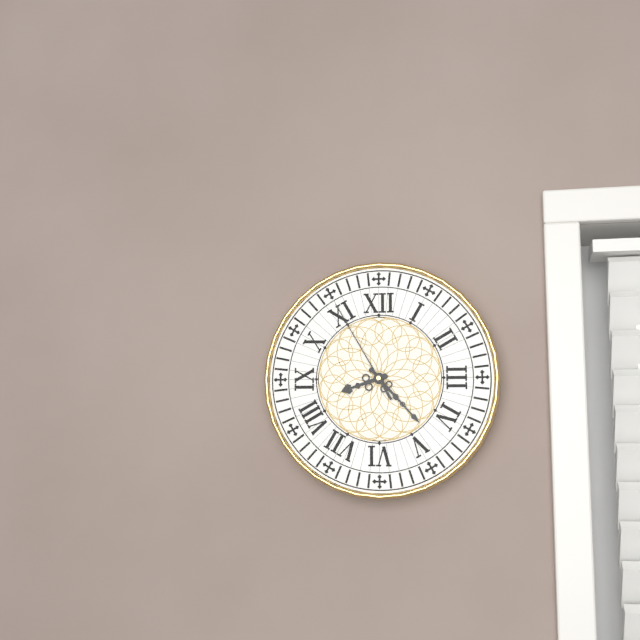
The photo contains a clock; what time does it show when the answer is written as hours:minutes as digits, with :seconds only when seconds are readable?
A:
8:23:55
